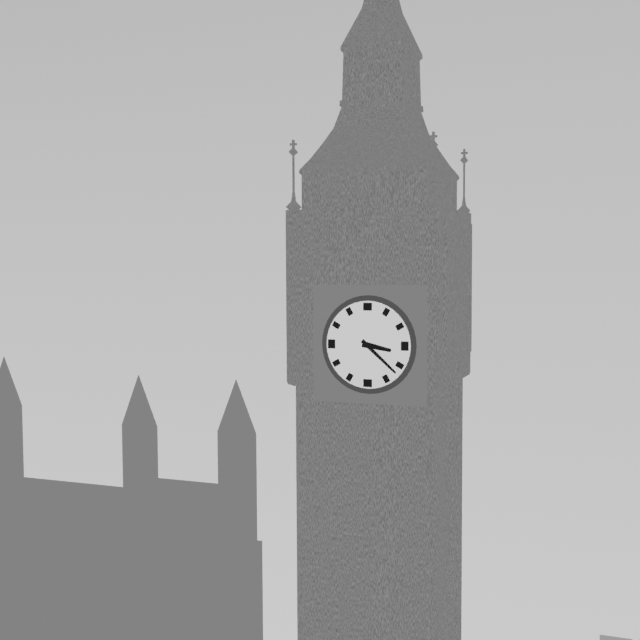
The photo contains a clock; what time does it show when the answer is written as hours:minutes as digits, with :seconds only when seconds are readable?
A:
3:22
